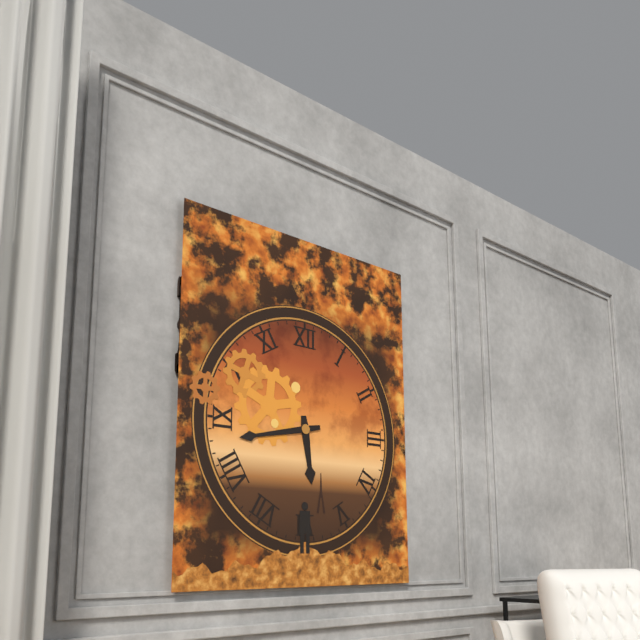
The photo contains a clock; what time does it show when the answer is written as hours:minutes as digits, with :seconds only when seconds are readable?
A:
5:43
